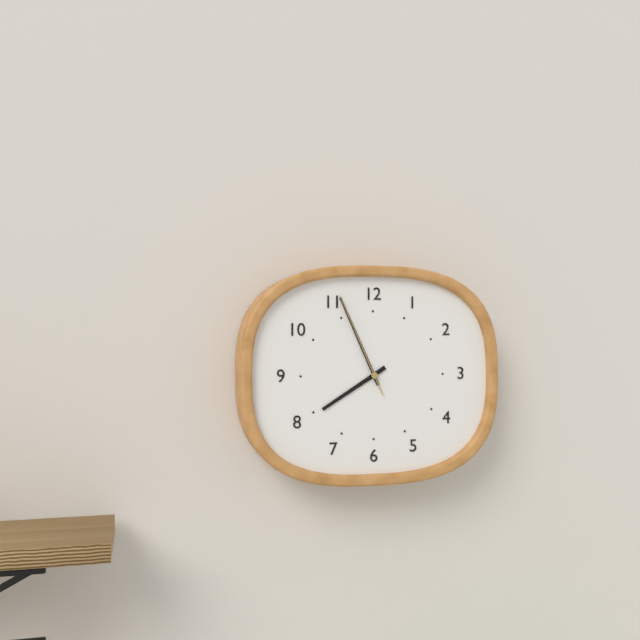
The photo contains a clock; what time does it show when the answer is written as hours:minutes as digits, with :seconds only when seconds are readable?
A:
7:56:56
